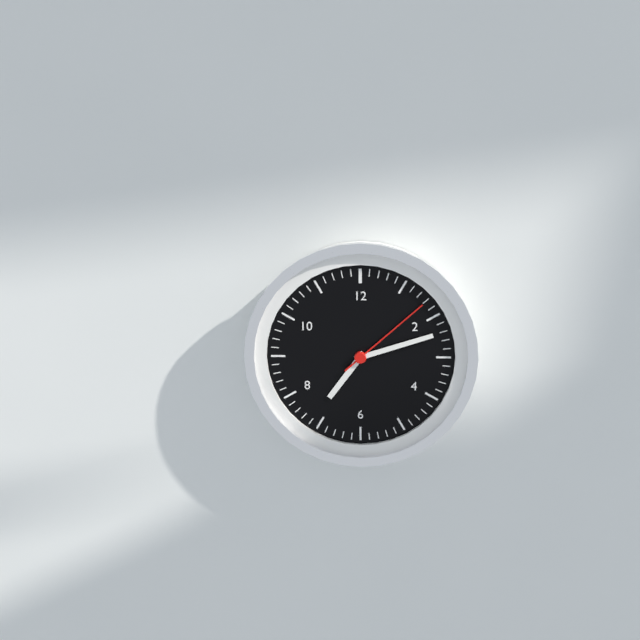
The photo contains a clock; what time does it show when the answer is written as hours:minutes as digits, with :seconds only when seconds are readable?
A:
7:12:08
